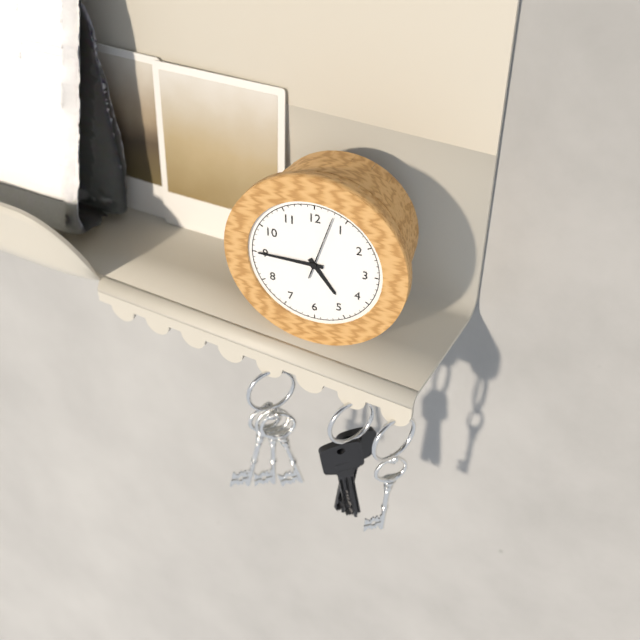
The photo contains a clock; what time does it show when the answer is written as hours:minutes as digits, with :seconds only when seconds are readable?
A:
4:45:03
